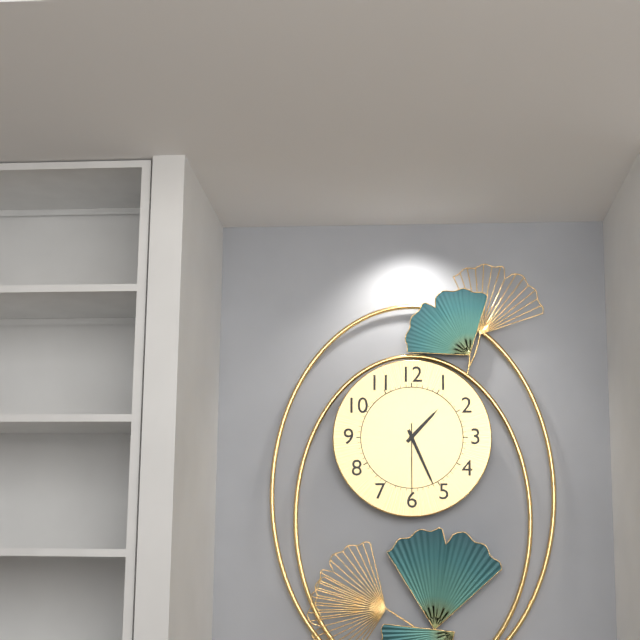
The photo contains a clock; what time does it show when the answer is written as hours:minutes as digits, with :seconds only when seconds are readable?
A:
1:26:30
